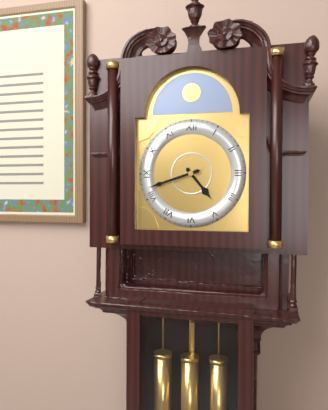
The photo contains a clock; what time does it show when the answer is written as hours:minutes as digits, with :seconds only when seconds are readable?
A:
4:42
